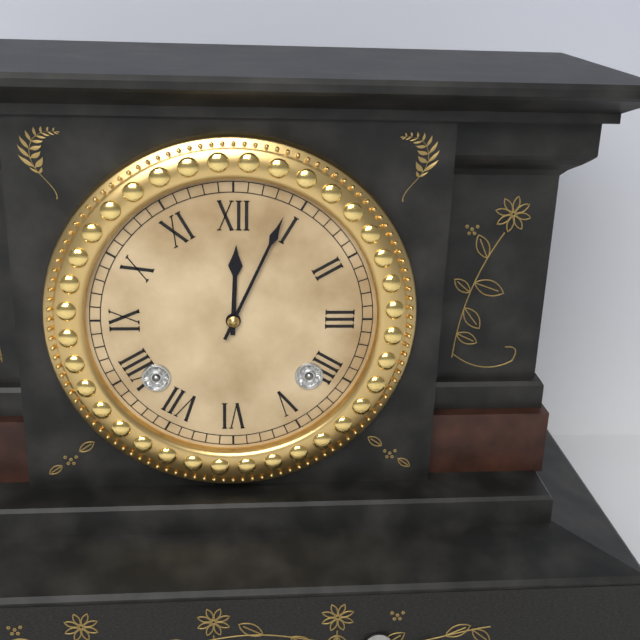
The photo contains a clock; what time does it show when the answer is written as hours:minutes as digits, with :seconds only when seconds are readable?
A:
12:04
